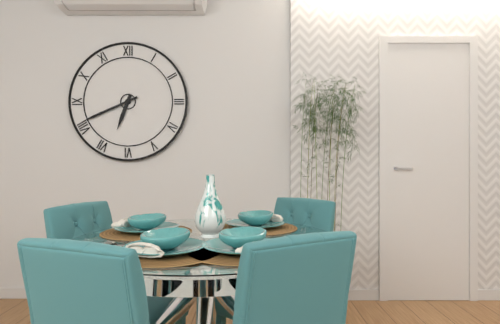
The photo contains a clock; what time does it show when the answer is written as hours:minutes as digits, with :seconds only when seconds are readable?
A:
6:41
